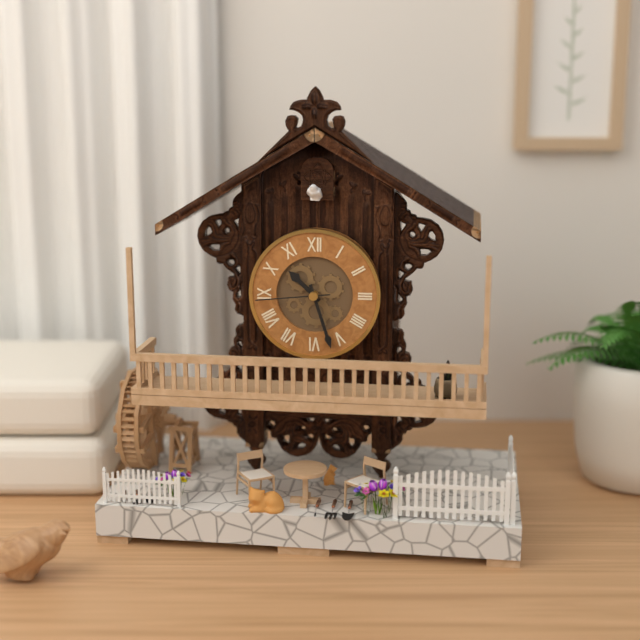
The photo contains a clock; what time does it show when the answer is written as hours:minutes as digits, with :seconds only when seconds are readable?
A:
10:27:44
